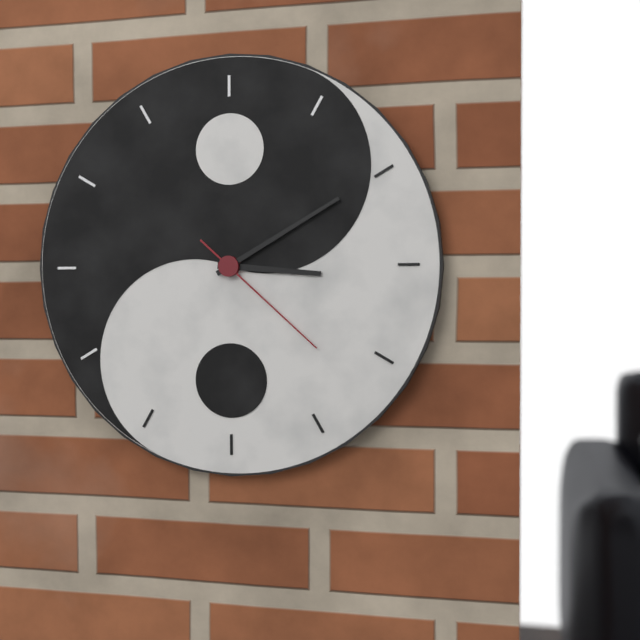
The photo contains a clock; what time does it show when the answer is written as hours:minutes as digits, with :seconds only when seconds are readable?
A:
3:10:22
